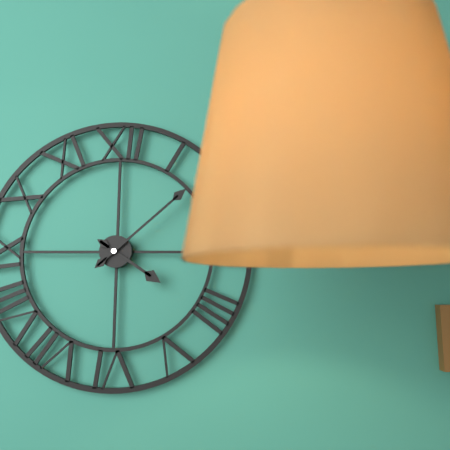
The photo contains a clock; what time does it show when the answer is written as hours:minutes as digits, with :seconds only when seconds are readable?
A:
4:08
